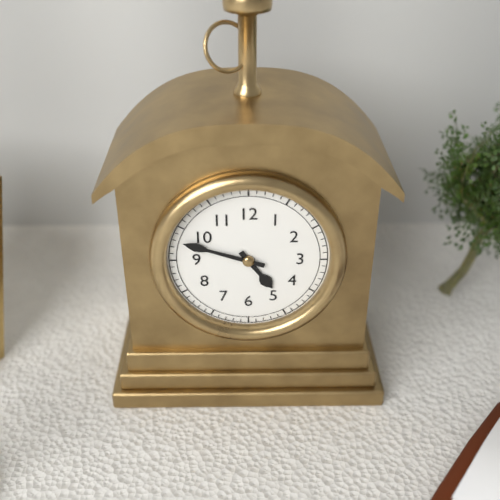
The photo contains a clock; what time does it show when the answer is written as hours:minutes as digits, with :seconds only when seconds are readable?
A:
4:48
